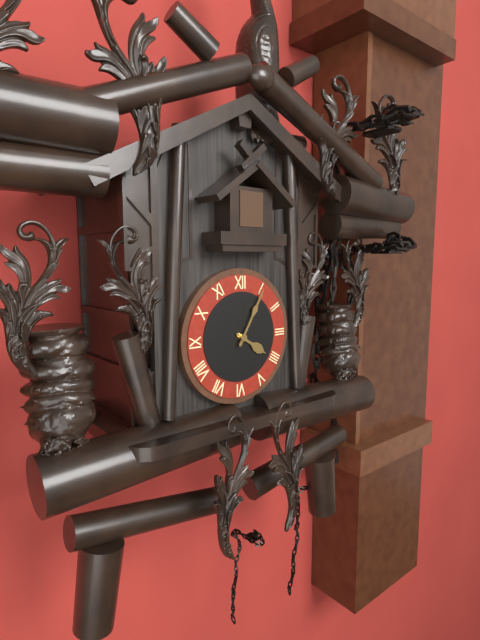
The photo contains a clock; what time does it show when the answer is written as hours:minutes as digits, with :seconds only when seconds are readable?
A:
4:05
